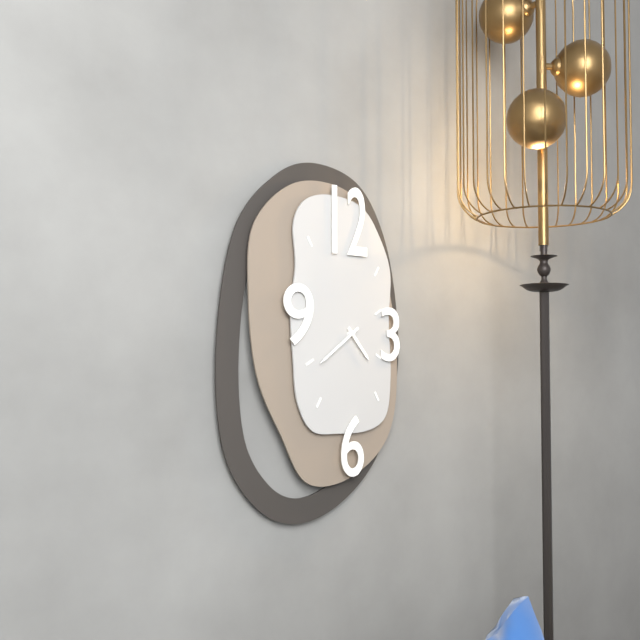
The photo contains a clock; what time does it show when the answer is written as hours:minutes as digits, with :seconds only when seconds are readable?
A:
4:39
